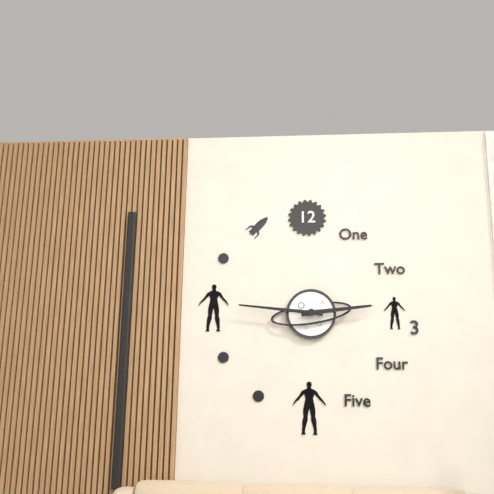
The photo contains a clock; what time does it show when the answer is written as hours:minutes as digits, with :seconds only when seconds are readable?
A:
2:46
